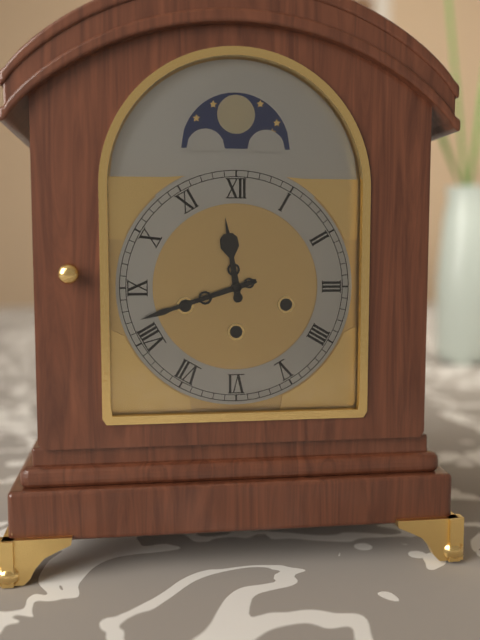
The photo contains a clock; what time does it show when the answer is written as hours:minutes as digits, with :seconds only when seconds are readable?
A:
11:42
